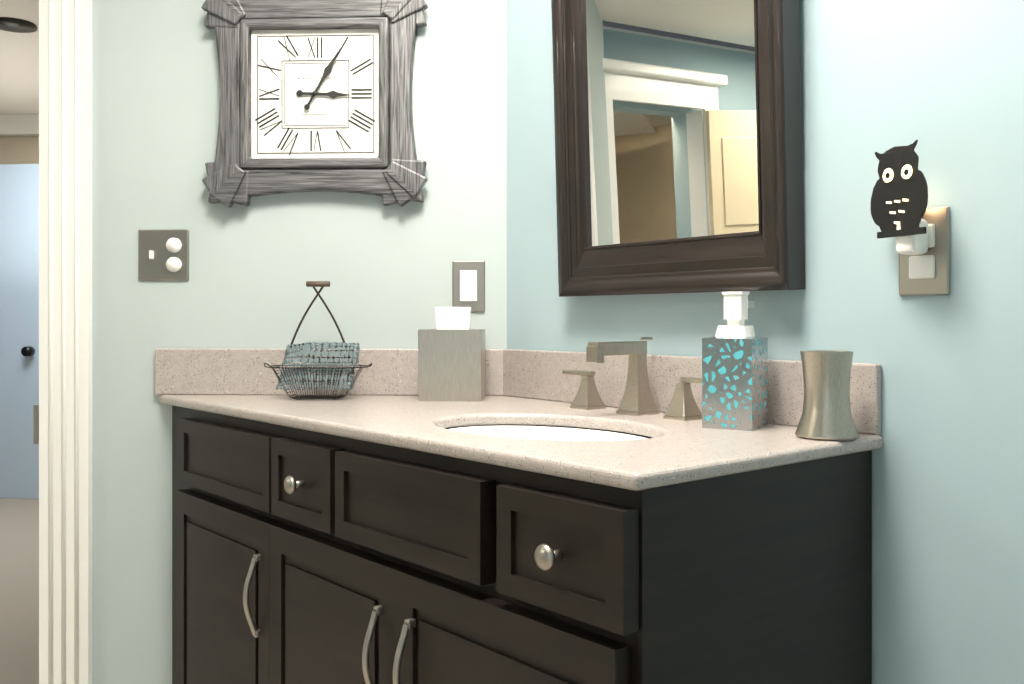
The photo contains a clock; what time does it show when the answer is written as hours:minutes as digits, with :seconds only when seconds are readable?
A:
3:05
